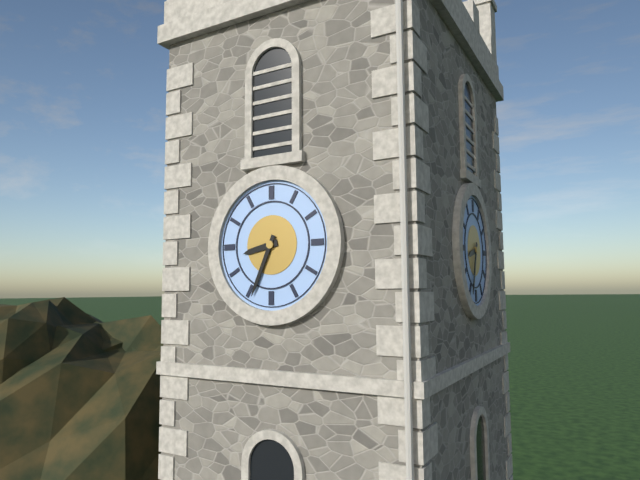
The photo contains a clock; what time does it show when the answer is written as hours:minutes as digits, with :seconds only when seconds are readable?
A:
8:34
